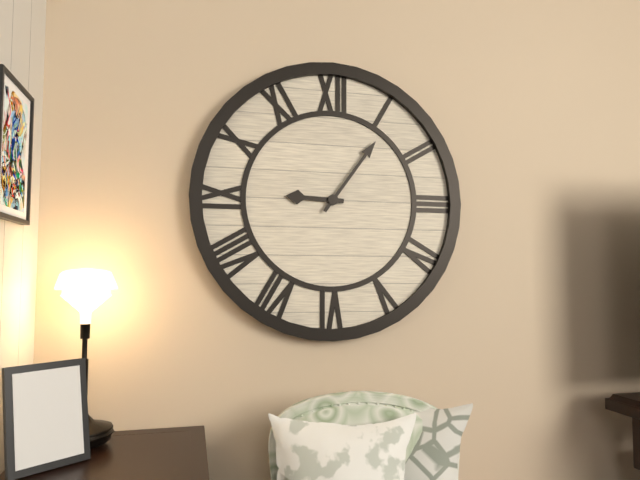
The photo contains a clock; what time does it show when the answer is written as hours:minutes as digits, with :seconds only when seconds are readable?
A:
9:06
